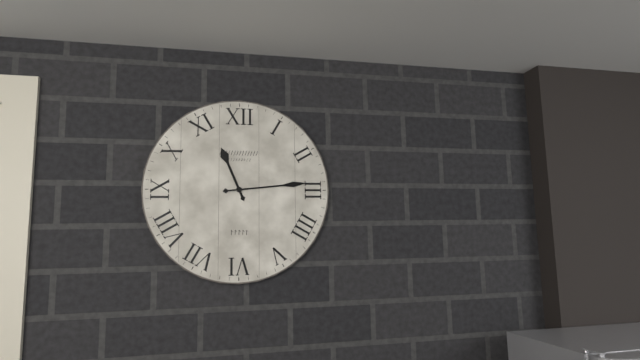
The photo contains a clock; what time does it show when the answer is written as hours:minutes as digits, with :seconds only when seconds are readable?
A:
11:14
